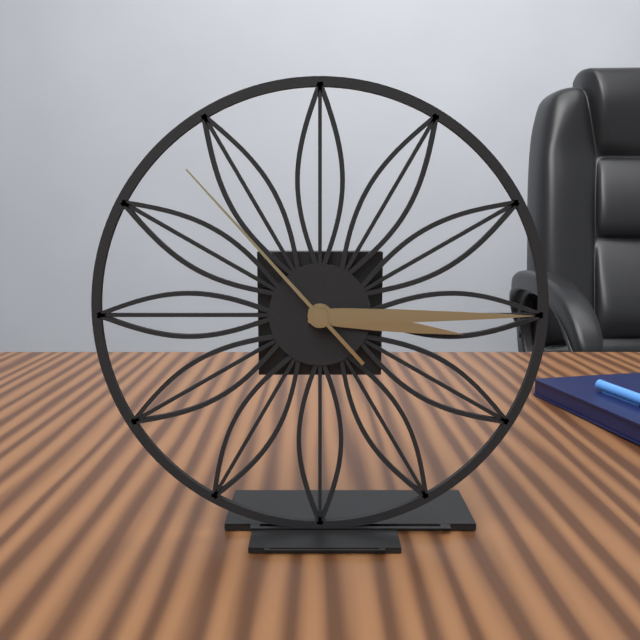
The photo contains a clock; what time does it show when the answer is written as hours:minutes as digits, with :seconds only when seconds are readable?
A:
3:15:53
